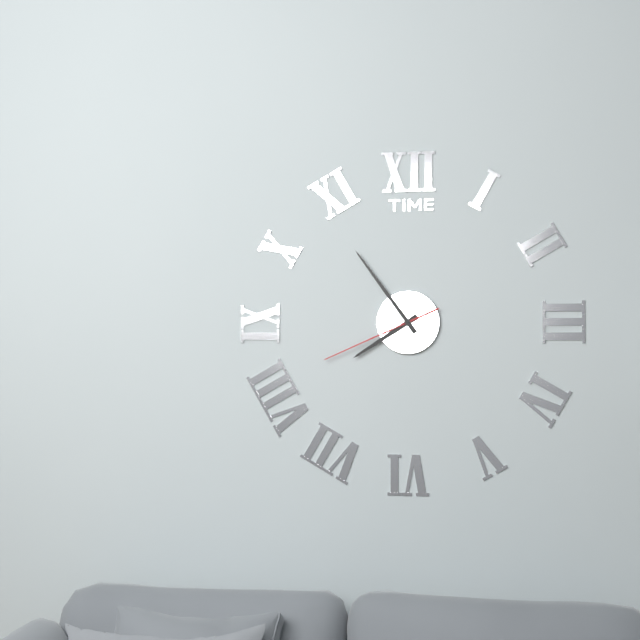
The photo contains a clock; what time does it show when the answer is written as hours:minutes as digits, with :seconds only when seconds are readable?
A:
7:54:41
